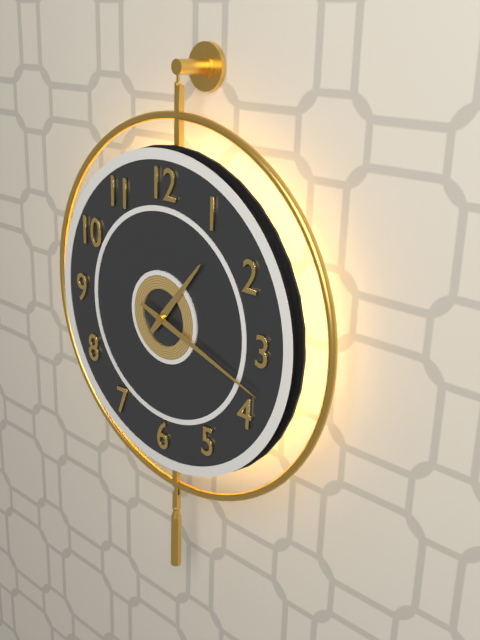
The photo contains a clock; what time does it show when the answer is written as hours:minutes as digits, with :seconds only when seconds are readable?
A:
1:18
